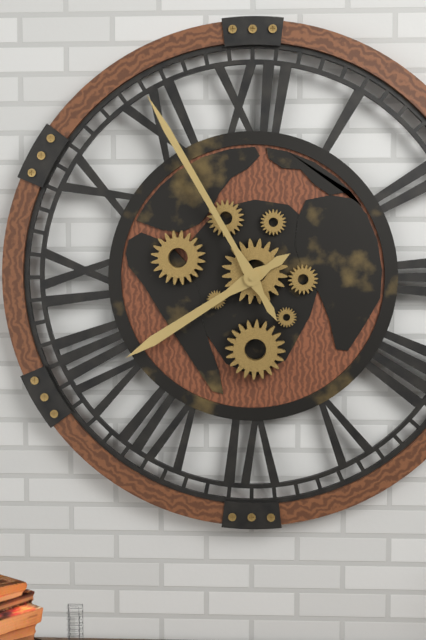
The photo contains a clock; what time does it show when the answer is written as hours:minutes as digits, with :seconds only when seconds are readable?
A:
7:55
